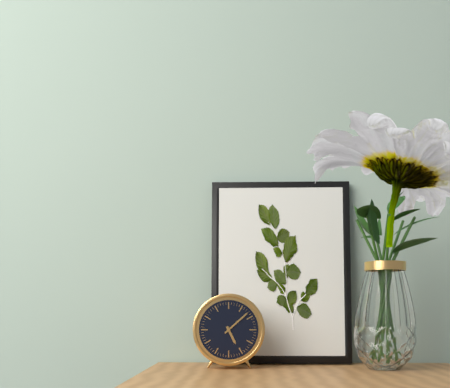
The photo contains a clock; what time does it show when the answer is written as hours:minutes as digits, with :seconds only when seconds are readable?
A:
5:08
